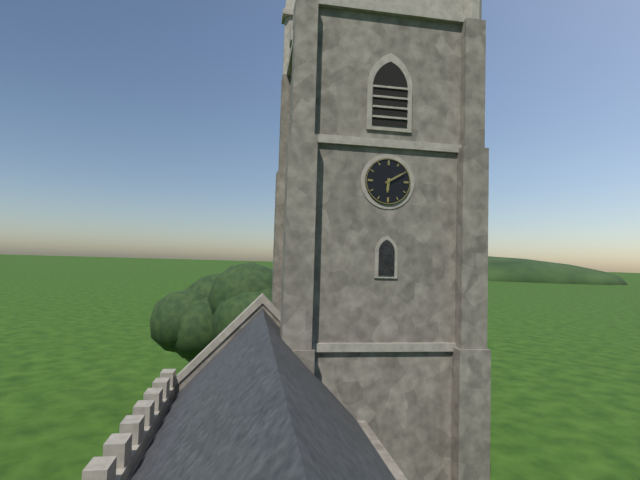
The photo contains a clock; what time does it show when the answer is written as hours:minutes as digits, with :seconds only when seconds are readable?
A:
6:10
